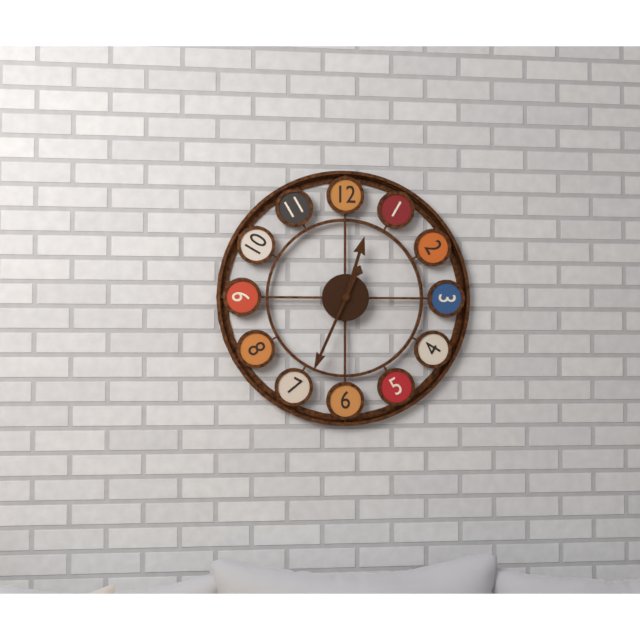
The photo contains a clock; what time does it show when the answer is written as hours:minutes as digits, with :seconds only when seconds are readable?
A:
12:34
